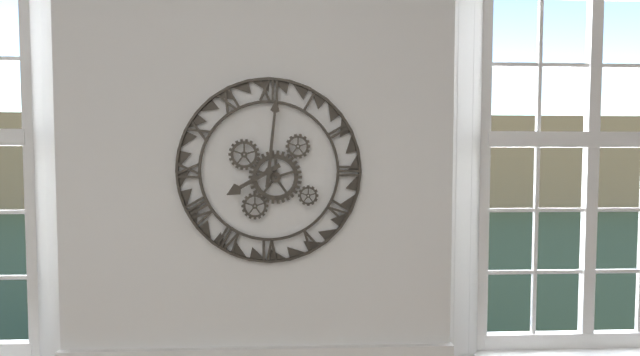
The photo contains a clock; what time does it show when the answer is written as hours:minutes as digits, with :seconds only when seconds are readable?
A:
8:01
